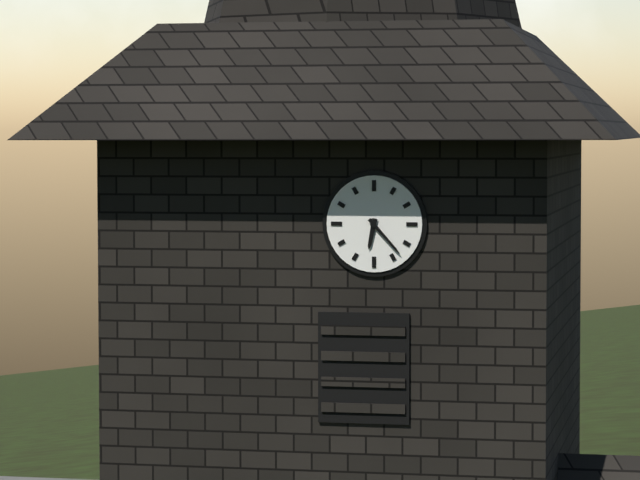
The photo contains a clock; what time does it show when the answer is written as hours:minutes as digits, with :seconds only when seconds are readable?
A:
6:23
